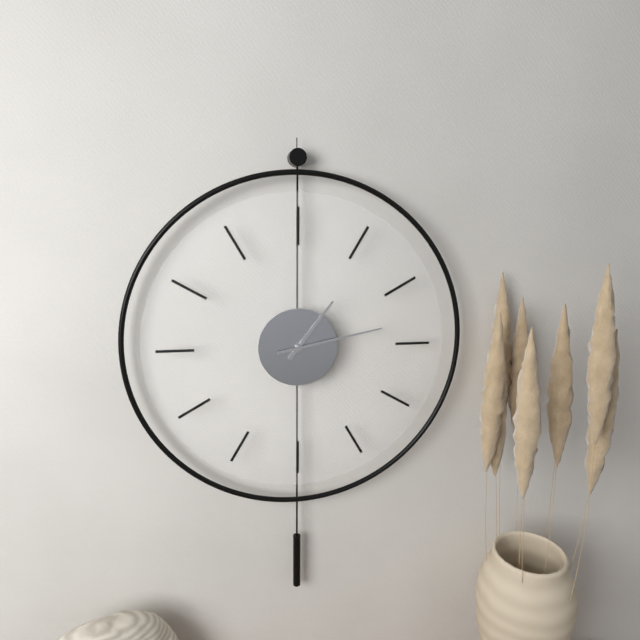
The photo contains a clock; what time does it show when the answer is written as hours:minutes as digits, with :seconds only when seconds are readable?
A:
1:13
